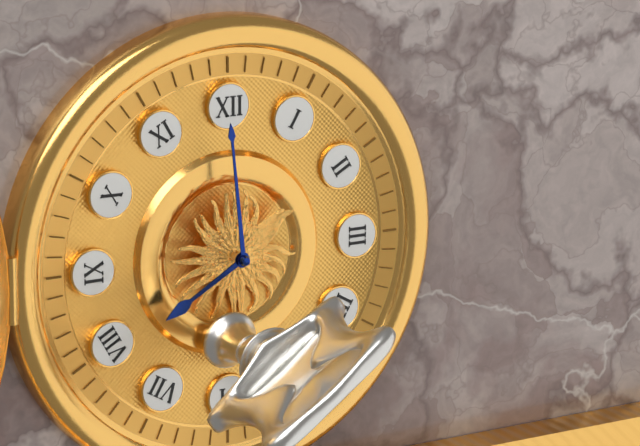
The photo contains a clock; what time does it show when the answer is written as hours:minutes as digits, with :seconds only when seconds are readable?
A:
7:59
